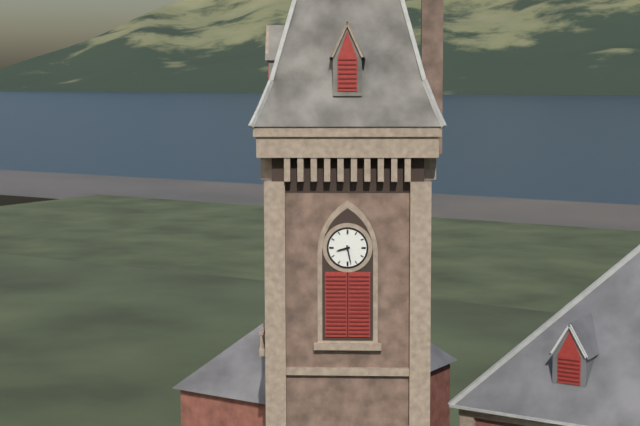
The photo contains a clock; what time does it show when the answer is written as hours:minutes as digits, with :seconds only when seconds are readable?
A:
8:28
